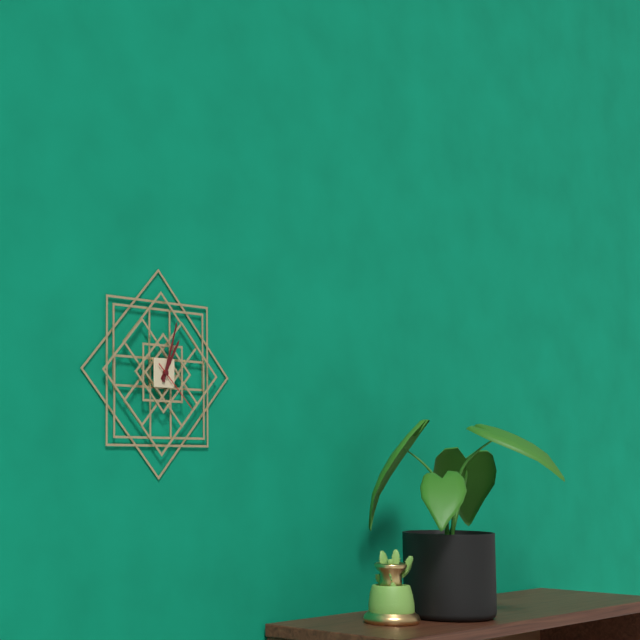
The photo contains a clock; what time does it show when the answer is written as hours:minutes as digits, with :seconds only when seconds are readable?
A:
1:03:22
